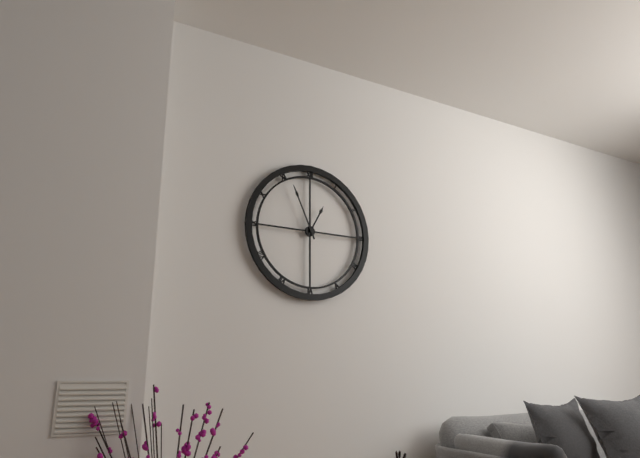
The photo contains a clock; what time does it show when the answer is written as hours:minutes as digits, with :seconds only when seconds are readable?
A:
12:56
